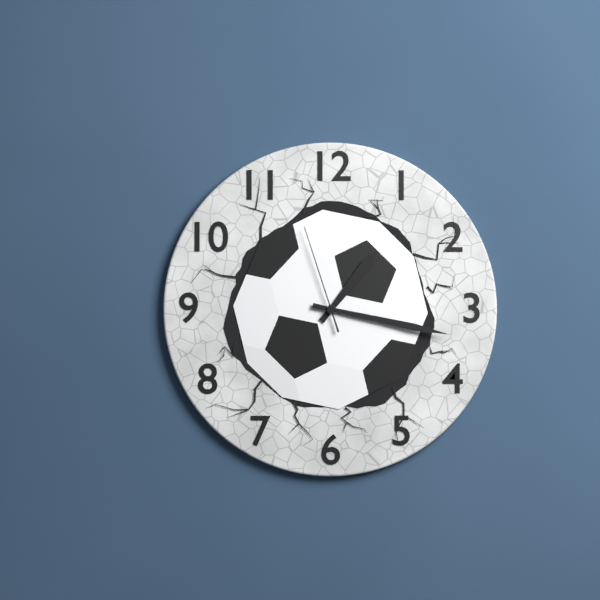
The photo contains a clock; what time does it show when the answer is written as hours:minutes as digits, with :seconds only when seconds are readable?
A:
1:17:57
